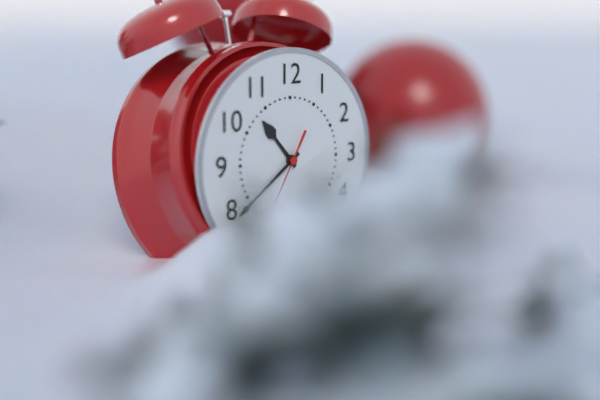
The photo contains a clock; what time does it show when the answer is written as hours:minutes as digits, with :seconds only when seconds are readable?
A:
10:39
